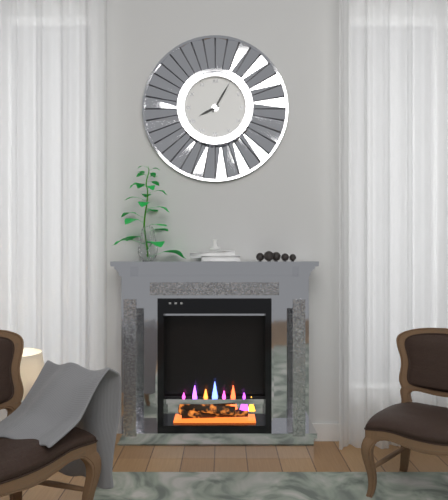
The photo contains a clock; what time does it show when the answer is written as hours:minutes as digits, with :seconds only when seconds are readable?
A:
8:05
